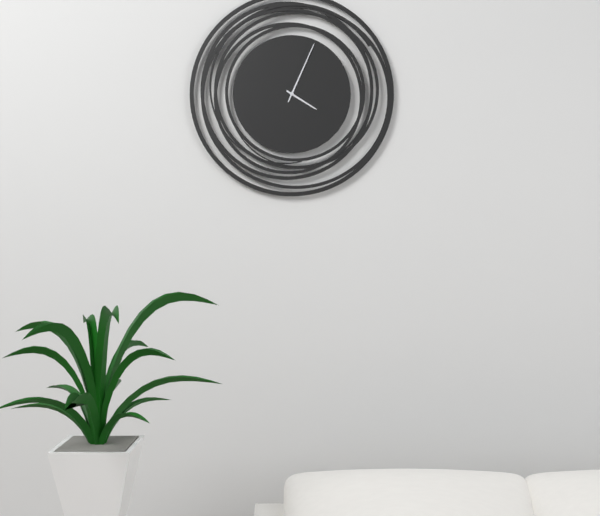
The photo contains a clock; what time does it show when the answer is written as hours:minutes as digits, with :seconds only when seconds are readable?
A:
4:04
